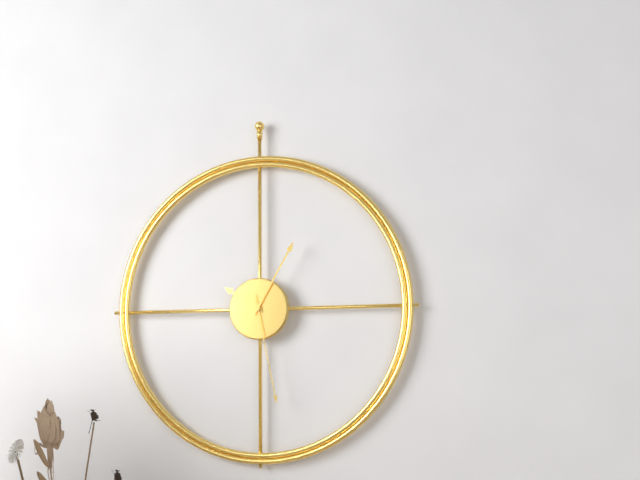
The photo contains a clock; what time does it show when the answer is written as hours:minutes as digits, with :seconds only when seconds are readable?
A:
10:05:28
